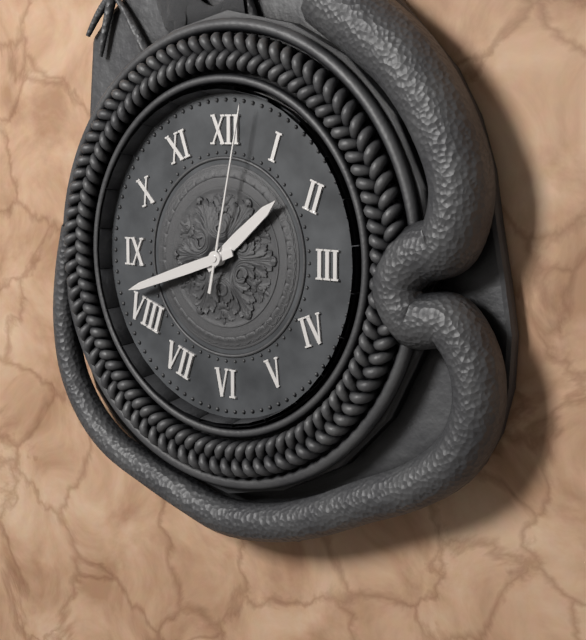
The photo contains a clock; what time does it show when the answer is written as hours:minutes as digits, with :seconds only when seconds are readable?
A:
1:42:02
